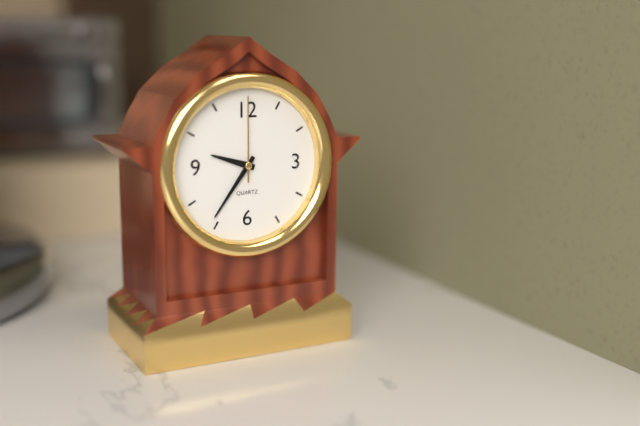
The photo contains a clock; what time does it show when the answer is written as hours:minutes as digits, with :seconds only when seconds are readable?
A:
9:36:00
